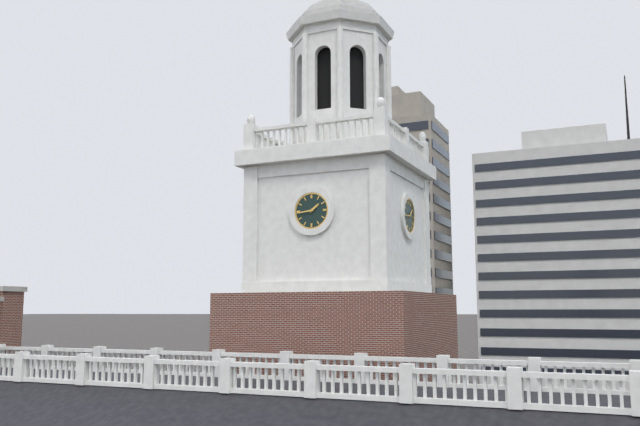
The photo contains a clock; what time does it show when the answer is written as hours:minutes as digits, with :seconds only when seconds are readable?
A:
1:44
